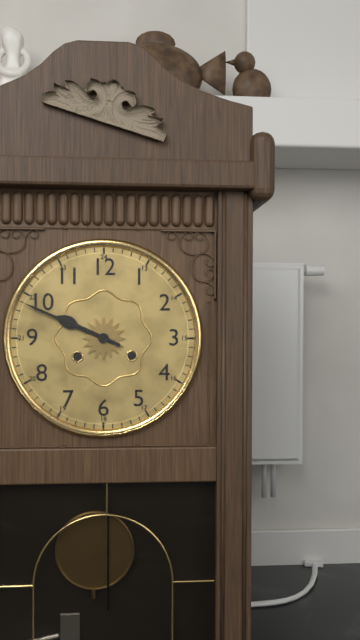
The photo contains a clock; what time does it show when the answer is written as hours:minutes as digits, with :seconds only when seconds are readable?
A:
9:49
